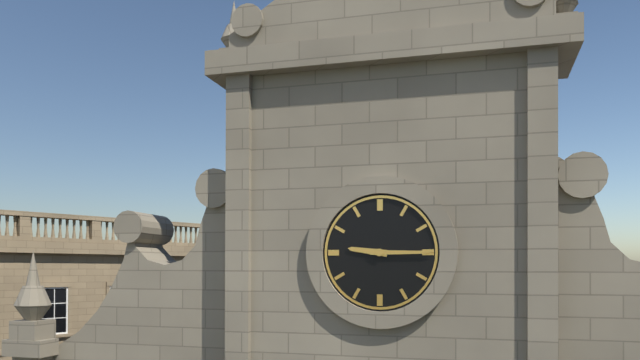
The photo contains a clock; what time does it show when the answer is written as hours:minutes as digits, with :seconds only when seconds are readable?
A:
9:15
